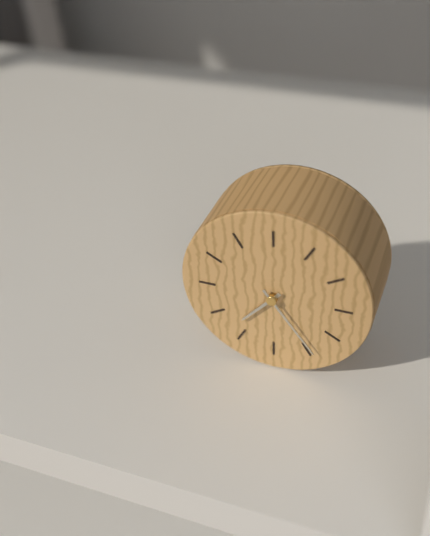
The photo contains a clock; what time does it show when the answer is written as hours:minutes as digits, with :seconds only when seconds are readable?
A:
7:24
